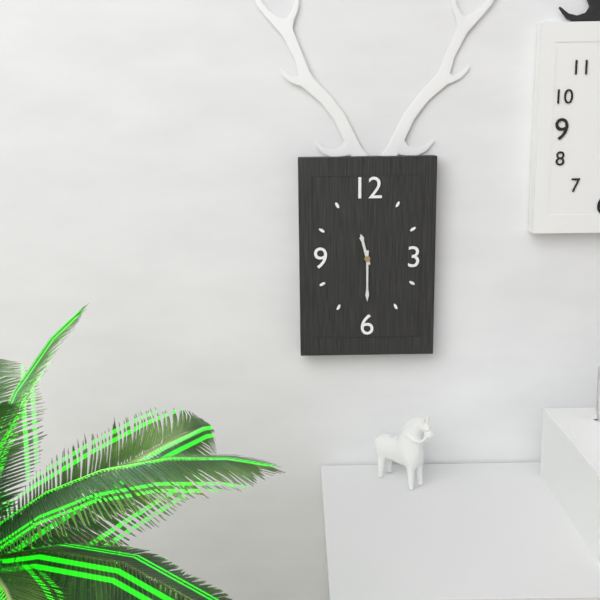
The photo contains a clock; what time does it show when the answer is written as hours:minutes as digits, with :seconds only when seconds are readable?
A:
11:30
